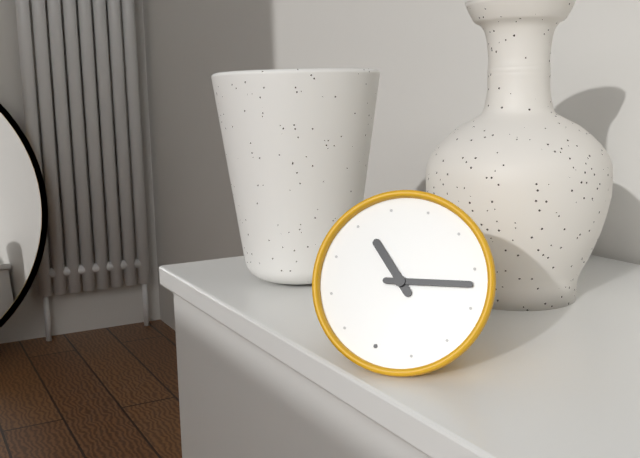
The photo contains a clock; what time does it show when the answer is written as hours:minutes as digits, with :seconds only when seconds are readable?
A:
10:12
